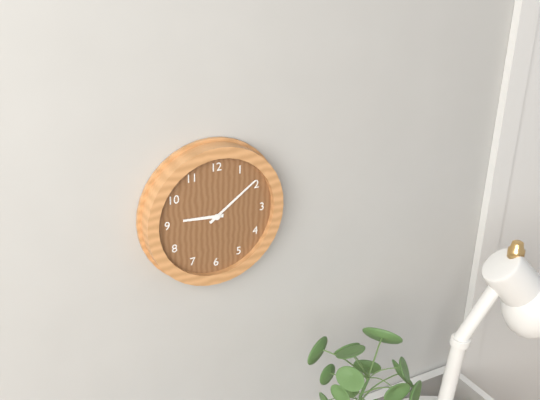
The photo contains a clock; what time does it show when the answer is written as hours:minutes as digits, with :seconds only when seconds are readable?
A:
9:09
